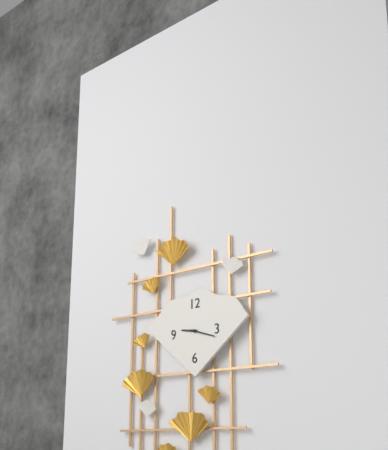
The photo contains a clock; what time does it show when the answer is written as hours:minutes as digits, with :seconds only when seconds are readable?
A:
9:18
